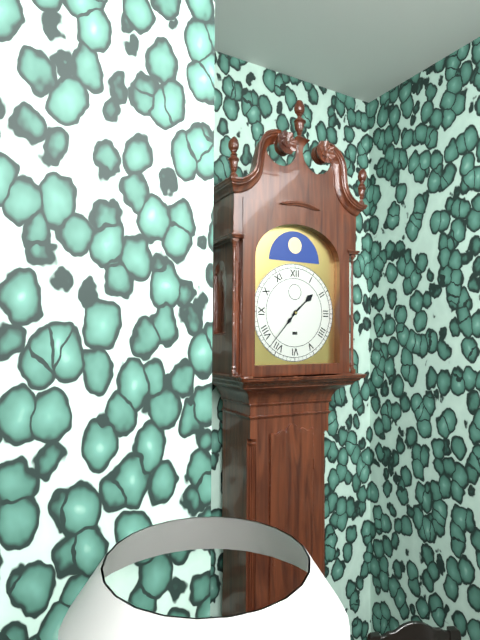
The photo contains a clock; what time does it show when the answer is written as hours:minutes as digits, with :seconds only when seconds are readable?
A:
1:37
